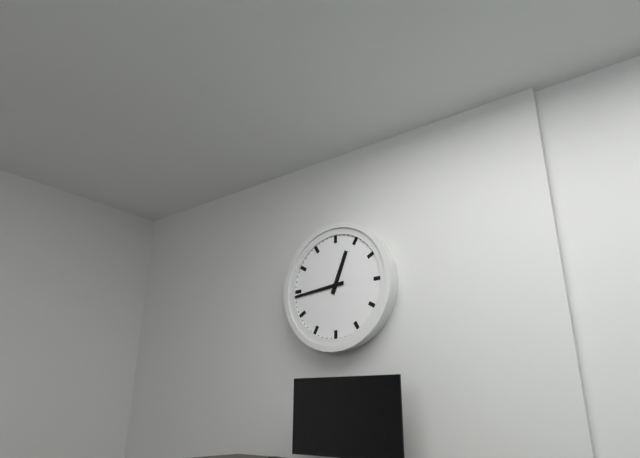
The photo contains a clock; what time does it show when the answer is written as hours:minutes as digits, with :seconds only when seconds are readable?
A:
12:44
